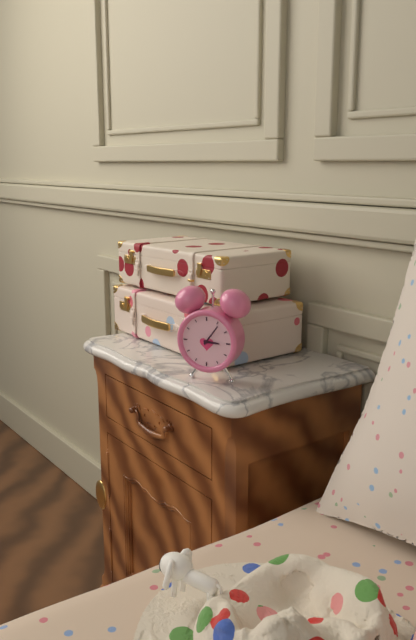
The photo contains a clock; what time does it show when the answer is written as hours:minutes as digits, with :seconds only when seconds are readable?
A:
3:06
